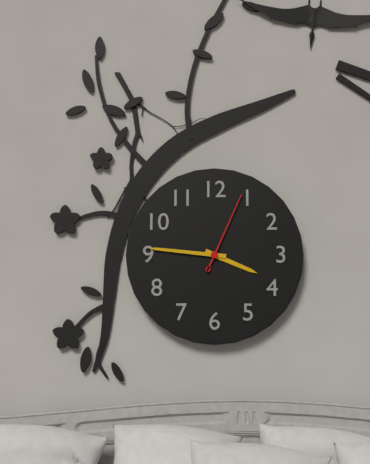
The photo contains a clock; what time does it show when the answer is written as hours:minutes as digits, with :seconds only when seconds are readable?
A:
3:46:04
